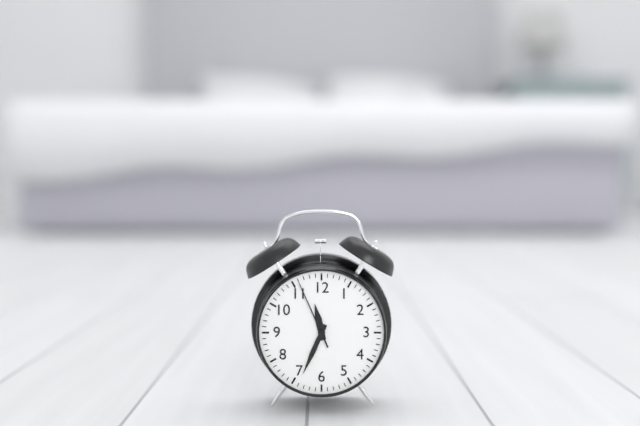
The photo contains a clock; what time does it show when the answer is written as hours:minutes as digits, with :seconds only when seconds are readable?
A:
11:34:56
